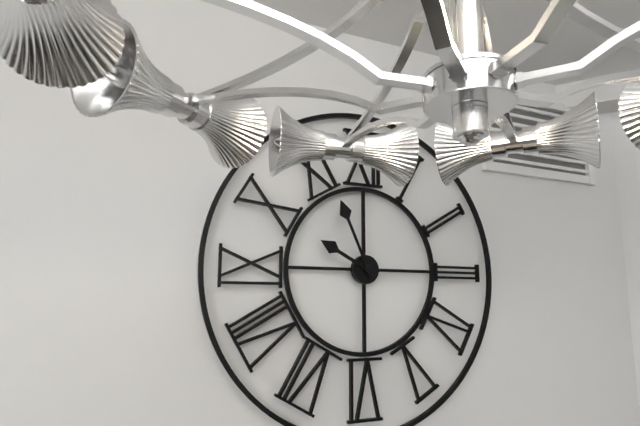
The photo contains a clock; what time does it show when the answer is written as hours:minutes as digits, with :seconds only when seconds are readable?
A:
9:56
